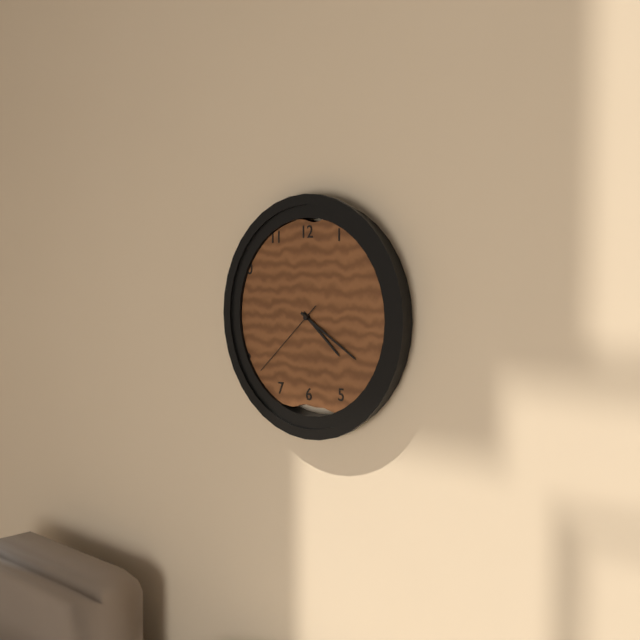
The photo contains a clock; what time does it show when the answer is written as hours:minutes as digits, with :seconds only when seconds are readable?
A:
4:20:38
